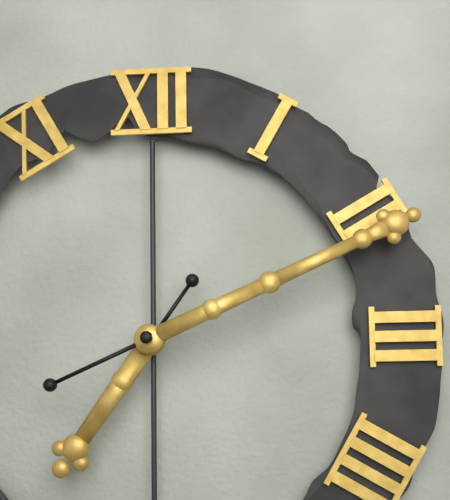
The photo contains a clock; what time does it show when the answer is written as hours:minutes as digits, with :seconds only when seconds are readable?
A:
7:11
